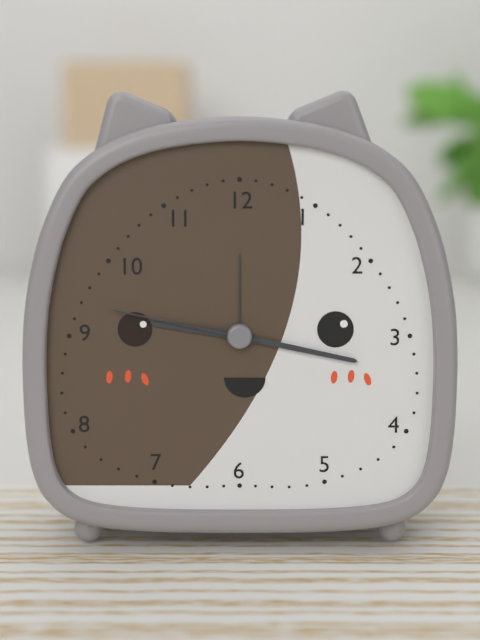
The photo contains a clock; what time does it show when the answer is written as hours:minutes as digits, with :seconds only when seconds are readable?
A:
9:17:47
